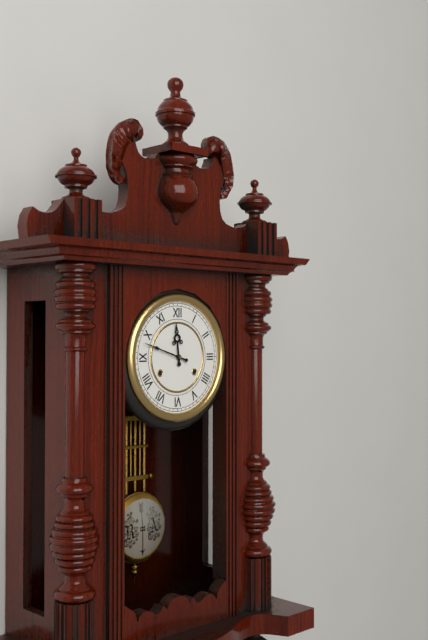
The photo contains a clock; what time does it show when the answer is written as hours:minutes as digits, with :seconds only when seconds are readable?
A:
11:48
